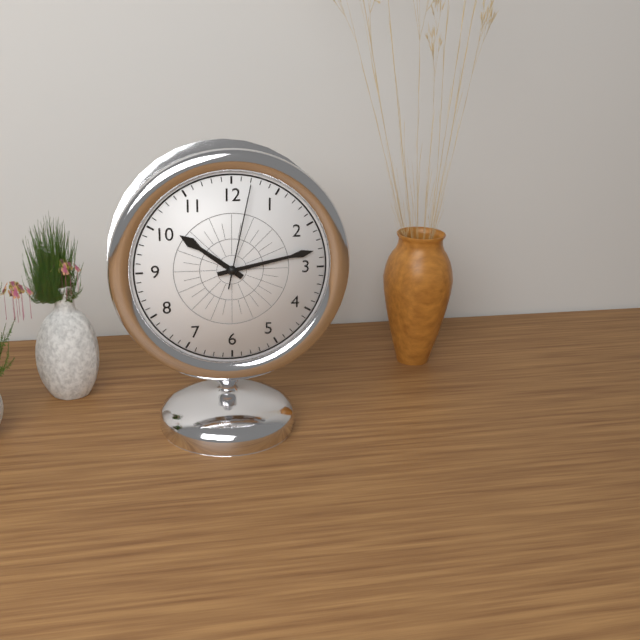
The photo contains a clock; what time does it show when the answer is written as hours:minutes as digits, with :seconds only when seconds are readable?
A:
10:13:02
